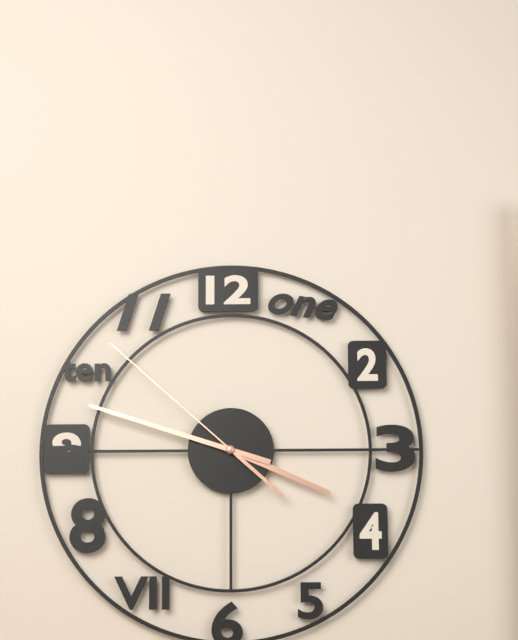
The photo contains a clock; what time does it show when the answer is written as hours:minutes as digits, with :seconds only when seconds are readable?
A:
3:48:52
